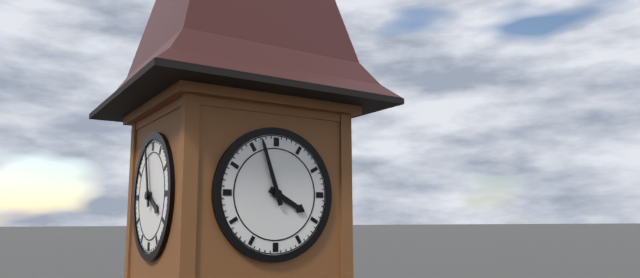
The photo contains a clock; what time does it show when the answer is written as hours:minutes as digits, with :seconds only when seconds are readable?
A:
3:57
